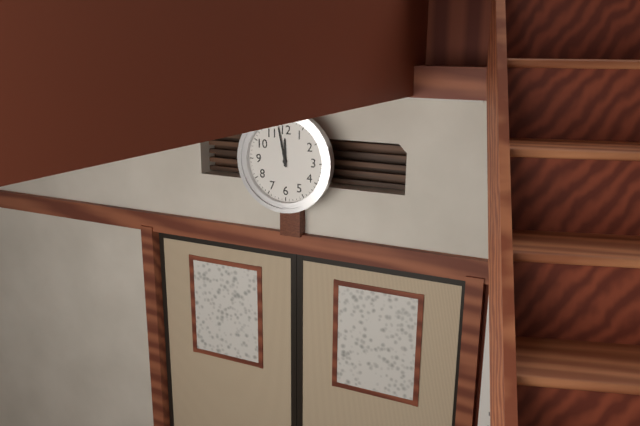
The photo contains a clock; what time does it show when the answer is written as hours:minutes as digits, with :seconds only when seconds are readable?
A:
11:58
